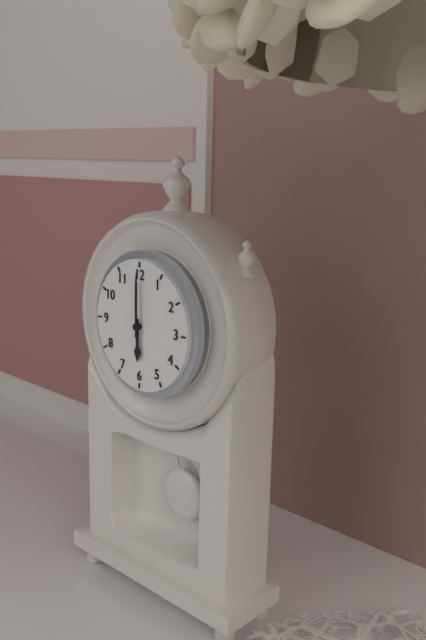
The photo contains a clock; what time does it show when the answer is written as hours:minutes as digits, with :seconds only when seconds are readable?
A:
6:00
